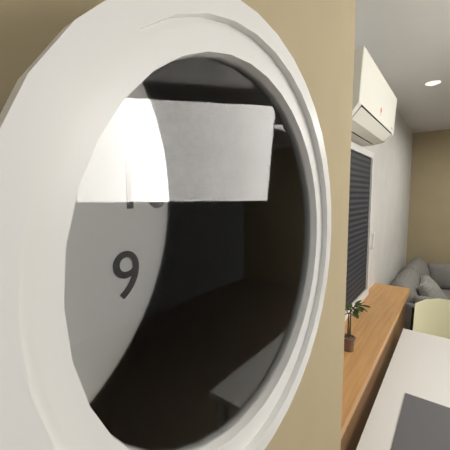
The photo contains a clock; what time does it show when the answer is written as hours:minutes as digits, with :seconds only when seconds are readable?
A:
4:54
